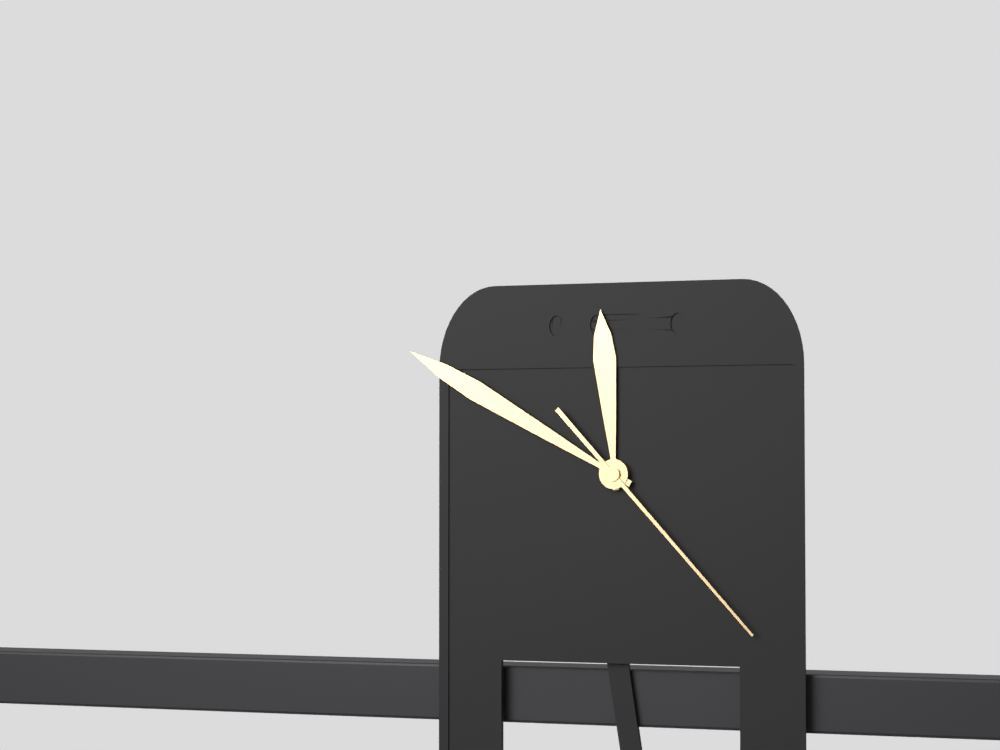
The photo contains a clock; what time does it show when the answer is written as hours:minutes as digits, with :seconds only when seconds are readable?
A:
11:50:23
